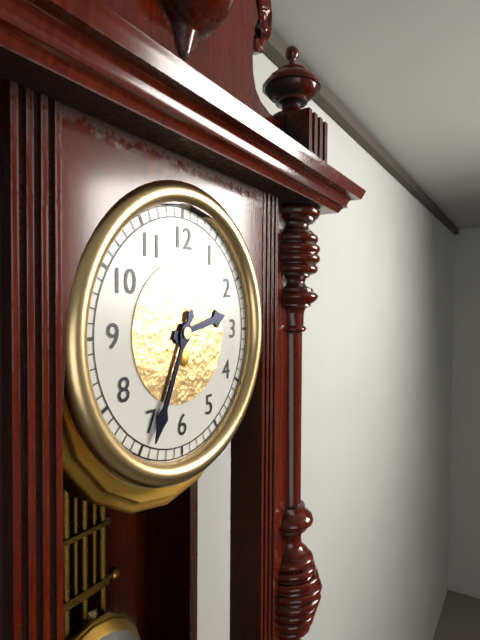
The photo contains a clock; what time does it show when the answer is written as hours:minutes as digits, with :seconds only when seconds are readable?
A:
2:34
